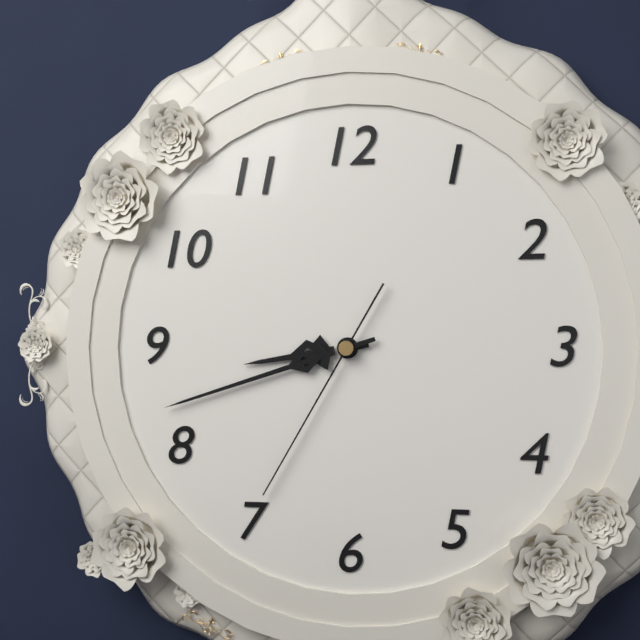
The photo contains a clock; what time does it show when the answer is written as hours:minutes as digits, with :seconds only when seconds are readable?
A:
8:42:35
